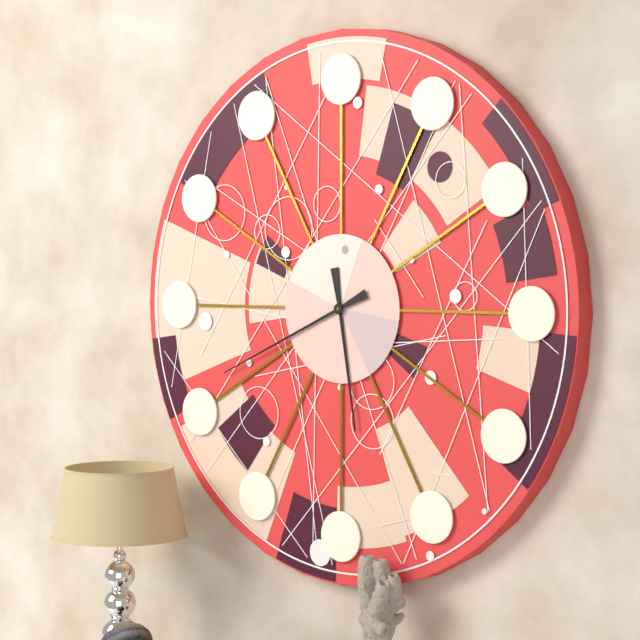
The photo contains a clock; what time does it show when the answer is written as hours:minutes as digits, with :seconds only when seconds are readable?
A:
5:41
